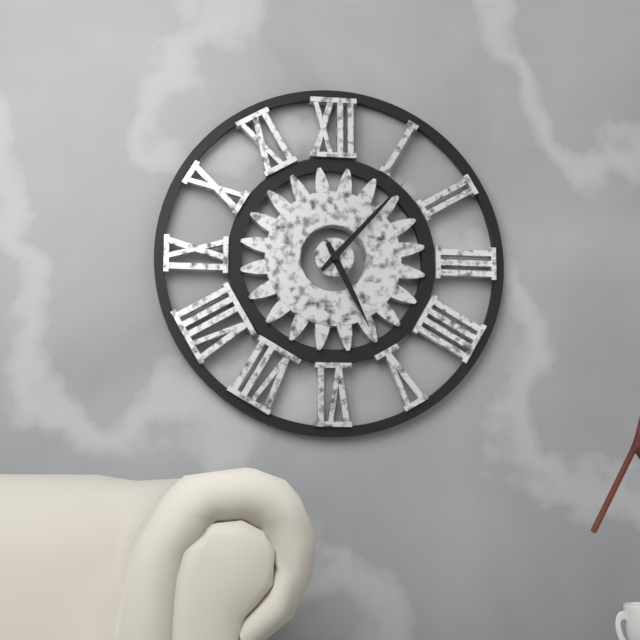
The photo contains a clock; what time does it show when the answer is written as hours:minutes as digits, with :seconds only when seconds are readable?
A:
5:07
